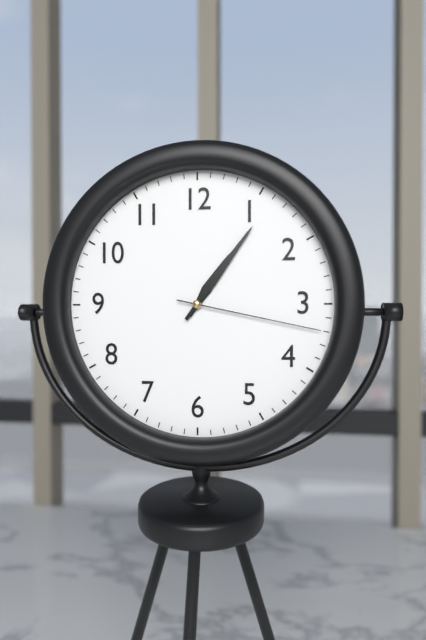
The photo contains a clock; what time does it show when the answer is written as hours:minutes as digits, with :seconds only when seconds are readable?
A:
1:06:17
